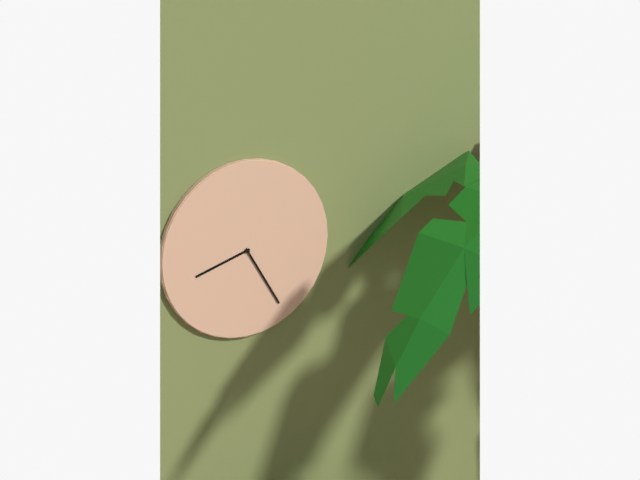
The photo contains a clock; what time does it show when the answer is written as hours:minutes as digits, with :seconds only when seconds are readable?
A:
8:25
